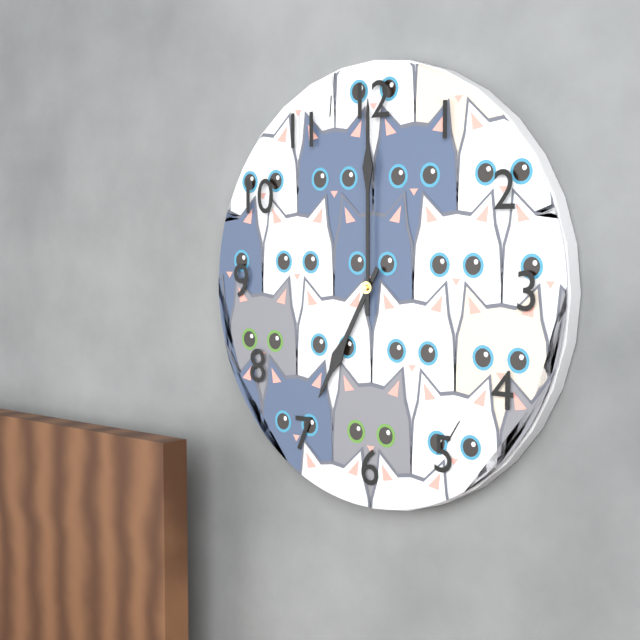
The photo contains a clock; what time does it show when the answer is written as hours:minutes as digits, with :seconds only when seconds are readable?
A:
7:00
